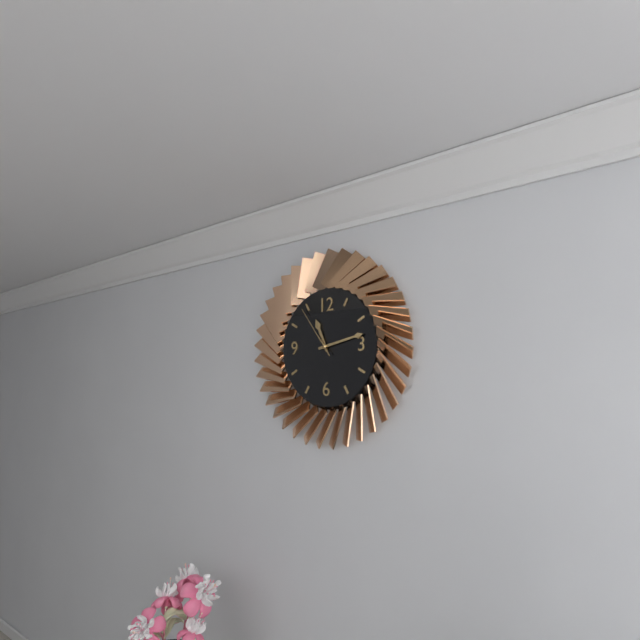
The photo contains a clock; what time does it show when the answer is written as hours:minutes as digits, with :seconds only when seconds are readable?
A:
11:13:54
